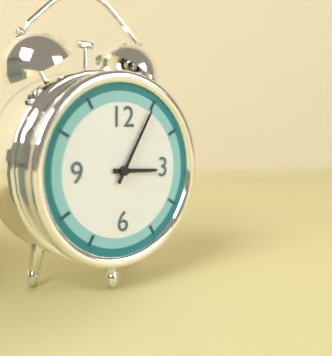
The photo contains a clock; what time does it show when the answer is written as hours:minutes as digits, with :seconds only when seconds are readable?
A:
3:05
